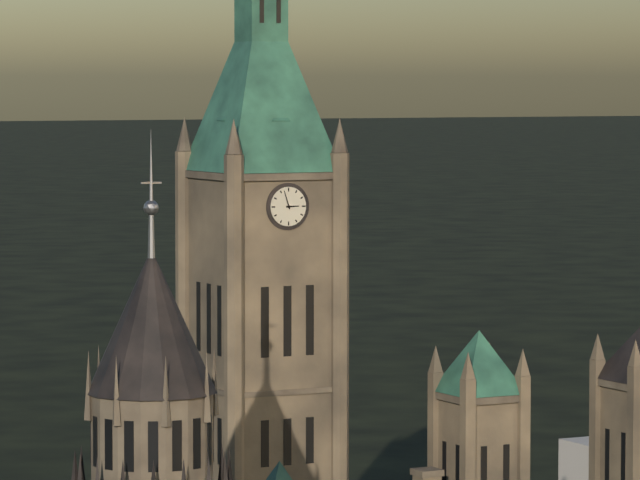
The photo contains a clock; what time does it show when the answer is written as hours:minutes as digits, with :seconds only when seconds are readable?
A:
2:57
